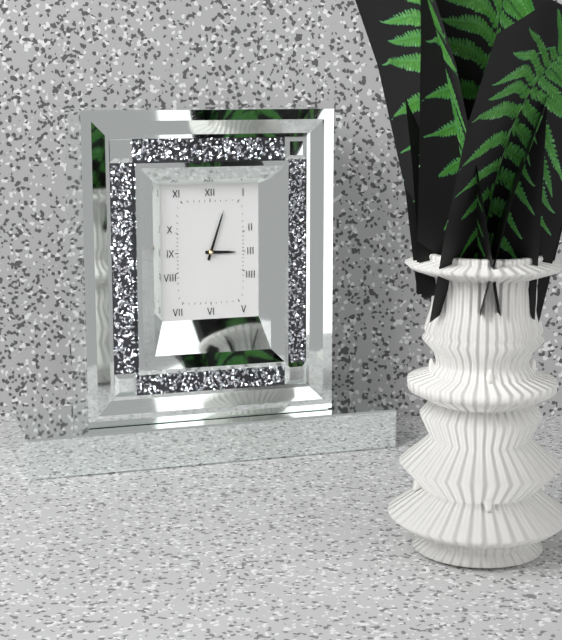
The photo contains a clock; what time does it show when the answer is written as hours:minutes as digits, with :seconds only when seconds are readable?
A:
3:03
